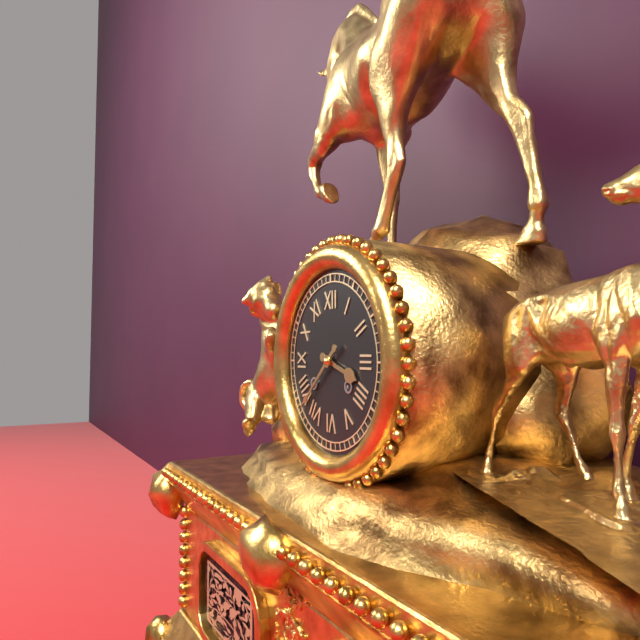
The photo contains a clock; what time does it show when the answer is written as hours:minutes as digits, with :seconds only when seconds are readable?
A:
3:38
